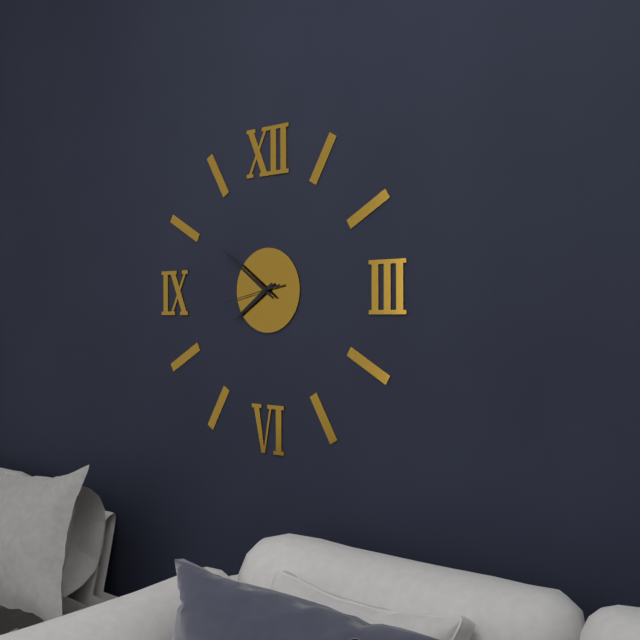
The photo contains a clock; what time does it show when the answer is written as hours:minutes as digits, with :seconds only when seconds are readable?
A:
7:51:43
